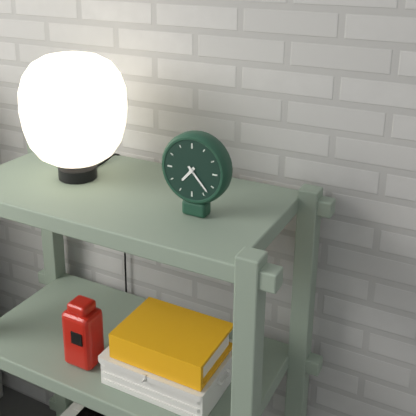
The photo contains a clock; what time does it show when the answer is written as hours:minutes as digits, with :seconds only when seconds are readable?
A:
7:23
